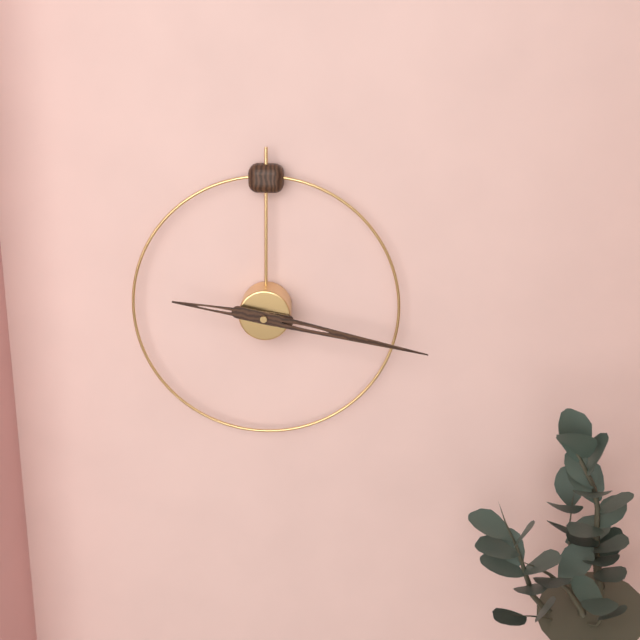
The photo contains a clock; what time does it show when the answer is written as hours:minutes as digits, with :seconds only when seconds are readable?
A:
9:17
